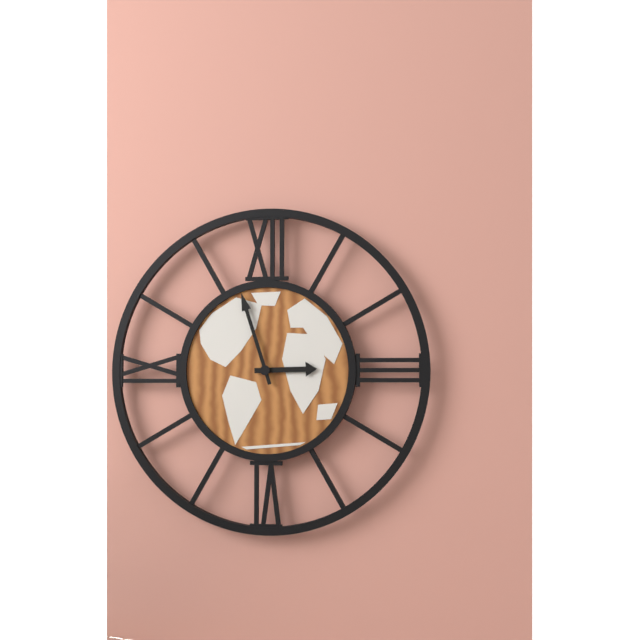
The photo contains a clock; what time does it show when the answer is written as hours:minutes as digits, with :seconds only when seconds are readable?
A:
2:57
